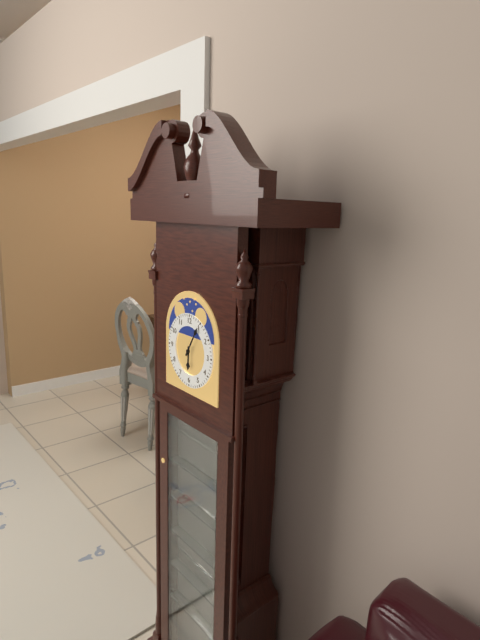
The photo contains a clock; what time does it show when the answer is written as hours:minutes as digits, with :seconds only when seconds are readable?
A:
6:05
